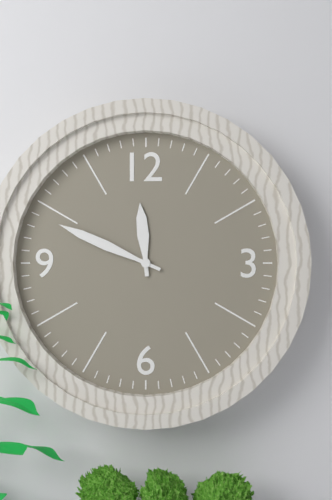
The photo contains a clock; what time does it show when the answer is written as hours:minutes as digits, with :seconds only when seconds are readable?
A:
11:49
